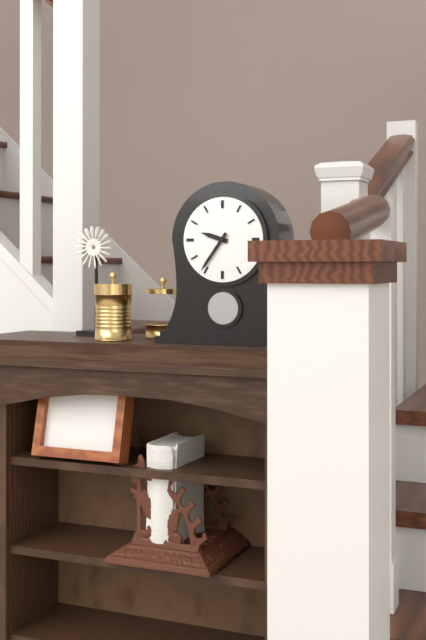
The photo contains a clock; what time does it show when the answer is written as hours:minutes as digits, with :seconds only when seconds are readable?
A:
9:36
